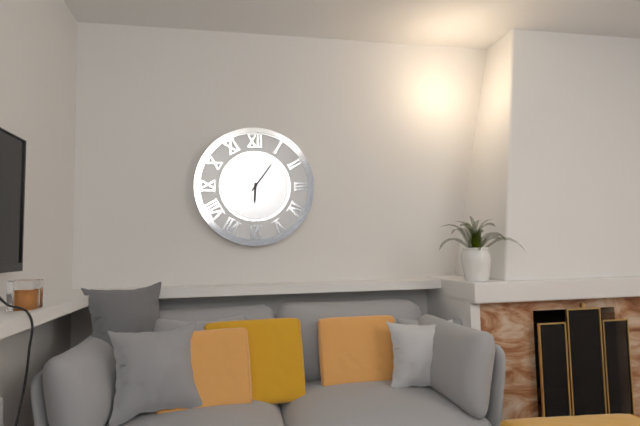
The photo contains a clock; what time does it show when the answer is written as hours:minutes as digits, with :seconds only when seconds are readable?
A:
6:06
